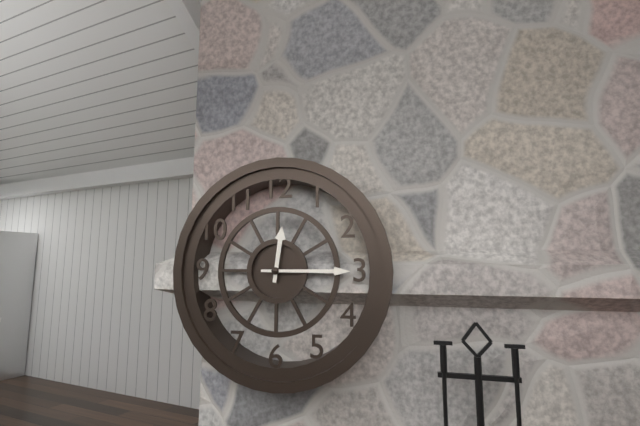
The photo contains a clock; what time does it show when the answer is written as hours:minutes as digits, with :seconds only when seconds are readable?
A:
12:15
